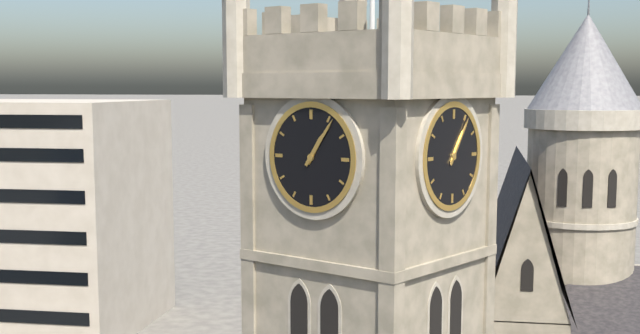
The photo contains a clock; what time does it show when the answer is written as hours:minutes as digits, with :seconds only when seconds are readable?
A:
1:06
